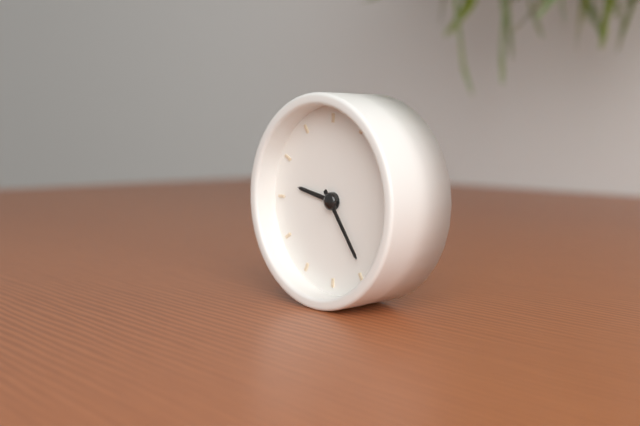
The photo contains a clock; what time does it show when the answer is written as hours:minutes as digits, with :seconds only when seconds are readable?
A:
9:24
